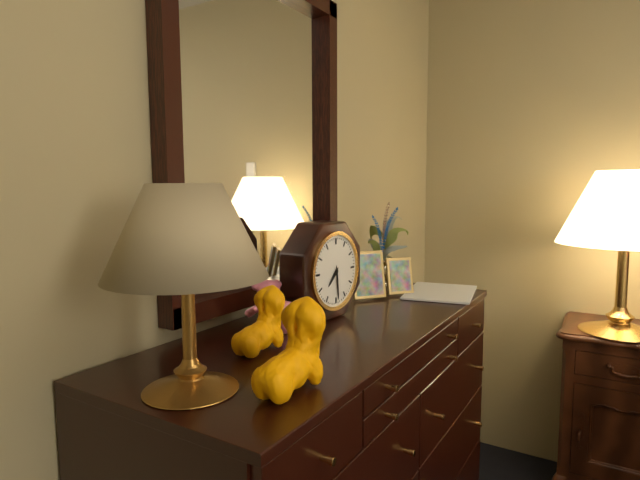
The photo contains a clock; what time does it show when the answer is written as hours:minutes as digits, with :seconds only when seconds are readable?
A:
7:29
